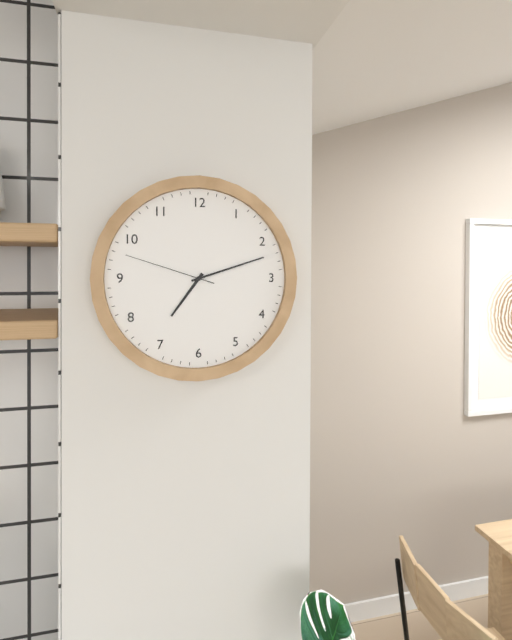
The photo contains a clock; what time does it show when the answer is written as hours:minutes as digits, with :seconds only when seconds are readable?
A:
7:12:48
